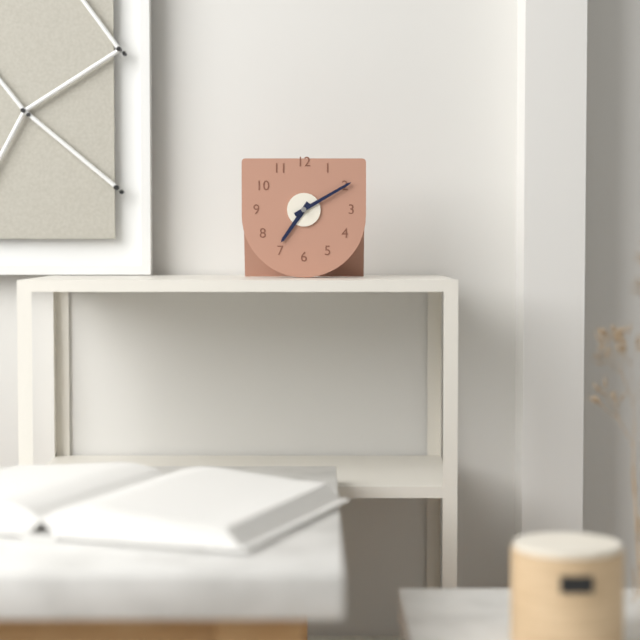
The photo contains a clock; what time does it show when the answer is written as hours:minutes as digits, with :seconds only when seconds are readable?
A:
7:10
